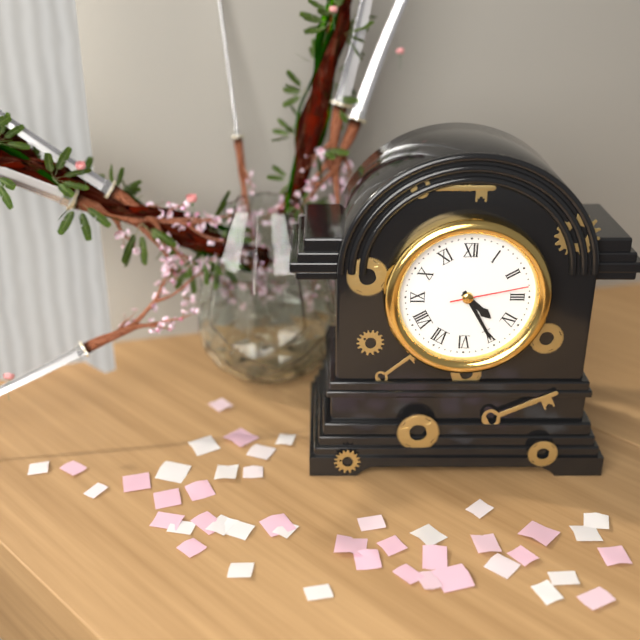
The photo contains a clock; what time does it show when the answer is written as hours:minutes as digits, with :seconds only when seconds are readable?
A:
4:25:13
